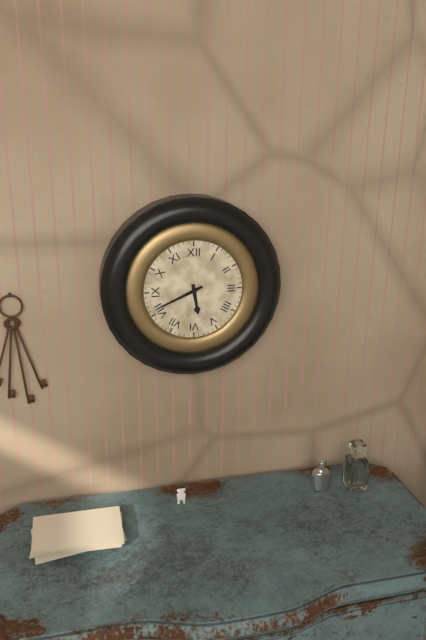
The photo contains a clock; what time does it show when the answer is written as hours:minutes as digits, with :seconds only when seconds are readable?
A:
5:41
